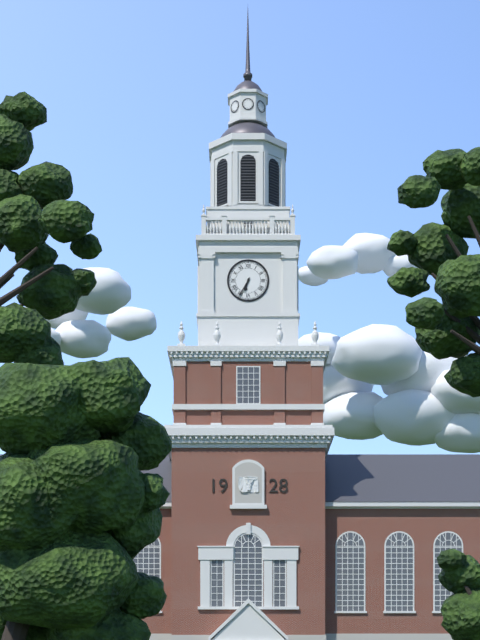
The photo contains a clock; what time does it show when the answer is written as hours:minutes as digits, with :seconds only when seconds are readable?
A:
6:35
